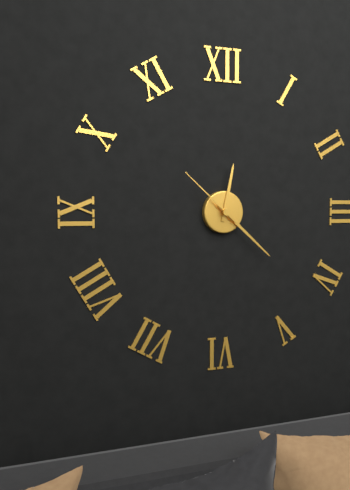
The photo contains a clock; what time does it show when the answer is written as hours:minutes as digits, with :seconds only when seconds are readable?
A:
12:22:52
